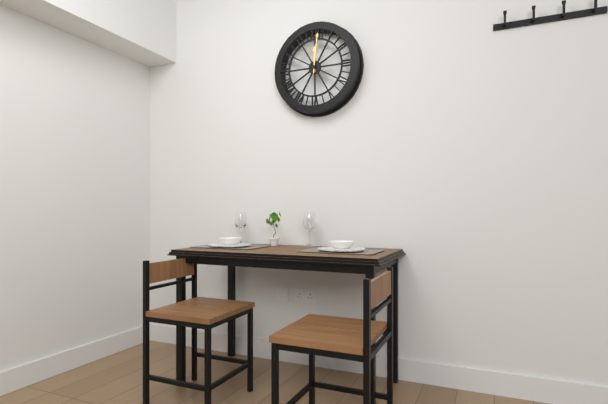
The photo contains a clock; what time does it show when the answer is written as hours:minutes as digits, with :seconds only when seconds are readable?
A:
12:01
